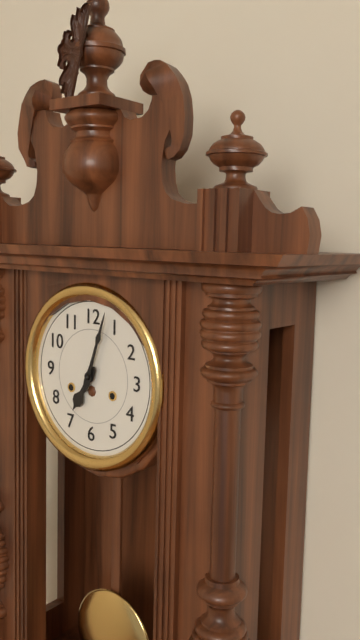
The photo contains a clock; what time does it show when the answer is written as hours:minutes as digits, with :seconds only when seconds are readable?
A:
7:03
